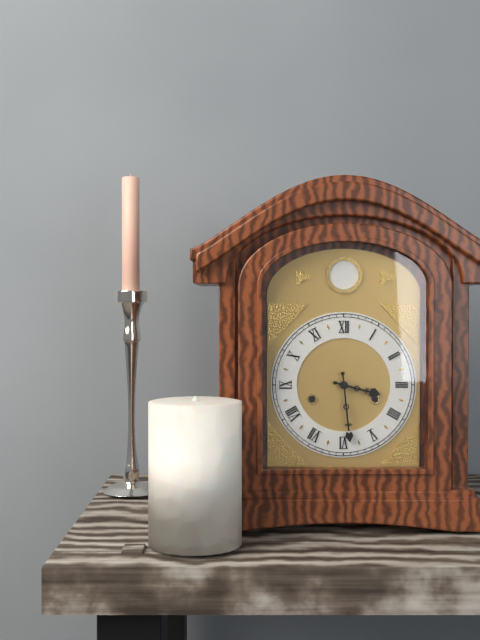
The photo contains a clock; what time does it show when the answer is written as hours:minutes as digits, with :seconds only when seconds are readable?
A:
3:29
